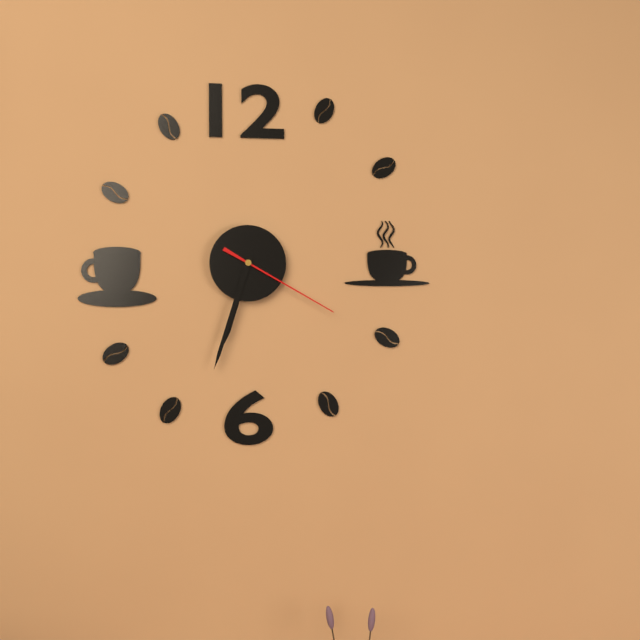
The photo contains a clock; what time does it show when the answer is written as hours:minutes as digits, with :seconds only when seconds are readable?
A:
6:33:20
